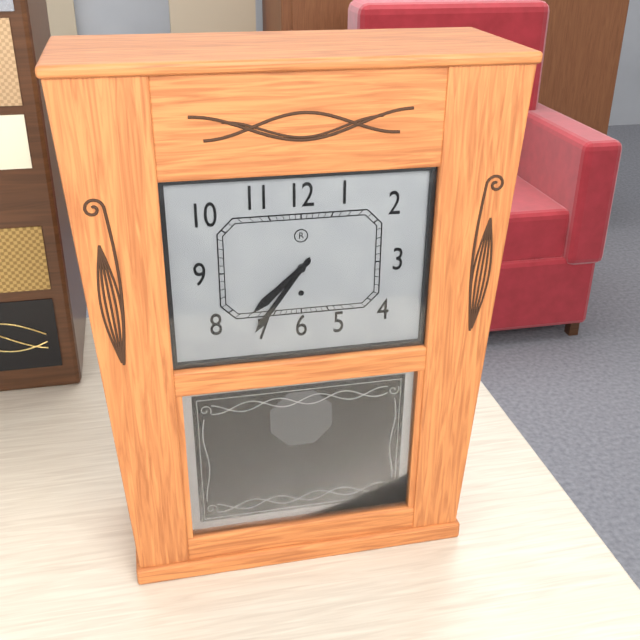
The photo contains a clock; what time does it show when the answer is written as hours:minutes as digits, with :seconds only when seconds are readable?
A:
7:36
